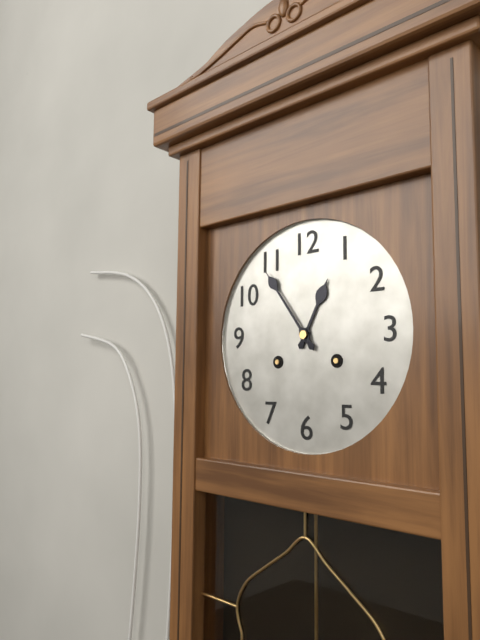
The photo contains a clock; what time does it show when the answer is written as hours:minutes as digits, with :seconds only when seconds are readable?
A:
12:54
